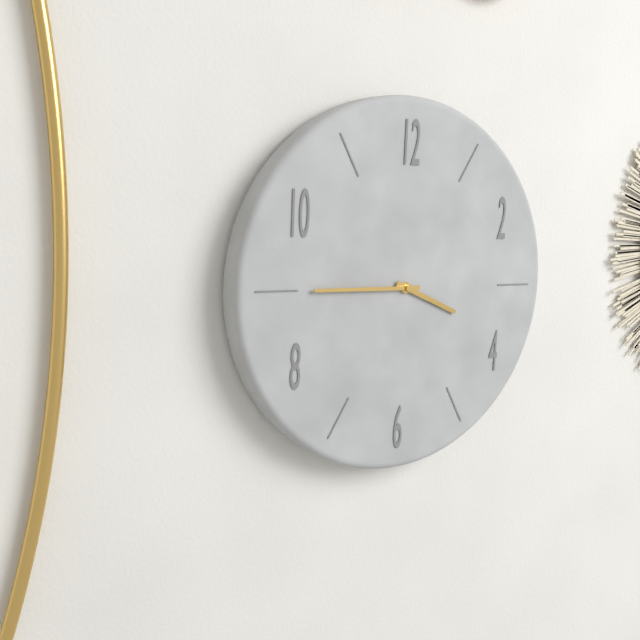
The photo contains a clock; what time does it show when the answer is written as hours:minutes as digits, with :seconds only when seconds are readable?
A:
3:45
